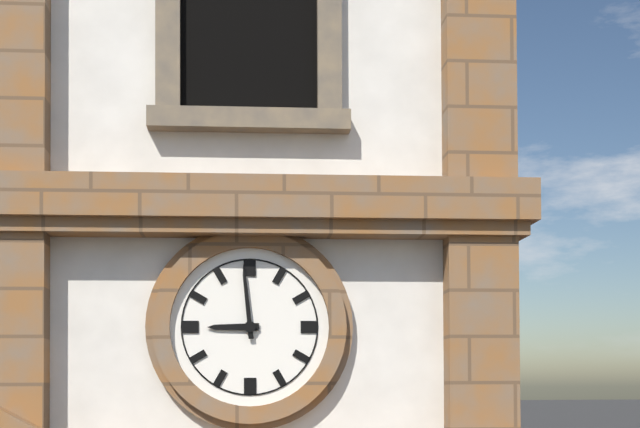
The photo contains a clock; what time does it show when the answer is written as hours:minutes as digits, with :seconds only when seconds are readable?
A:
8:59
